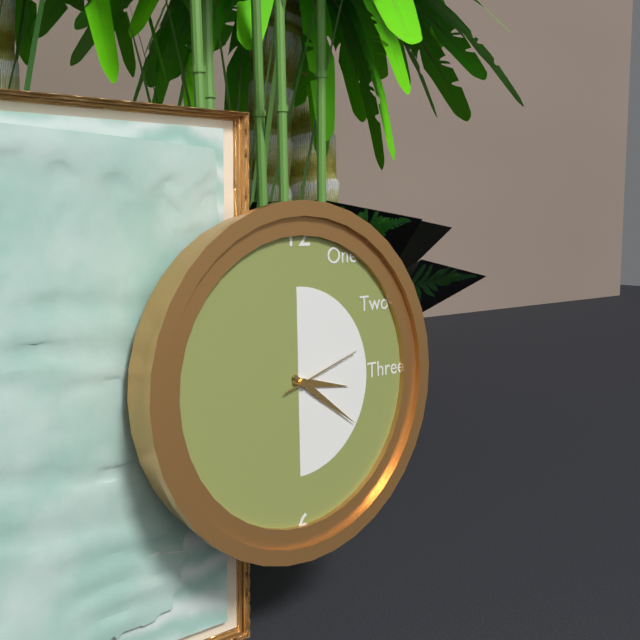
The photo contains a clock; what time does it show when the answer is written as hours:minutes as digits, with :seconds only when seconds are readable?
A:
3:21:12
